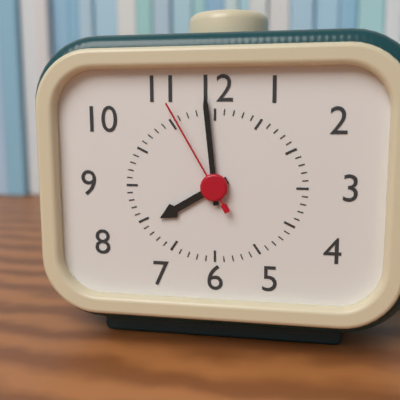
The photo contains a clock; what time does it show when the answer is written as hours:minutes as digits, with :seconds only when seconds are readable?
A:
7:59:55
